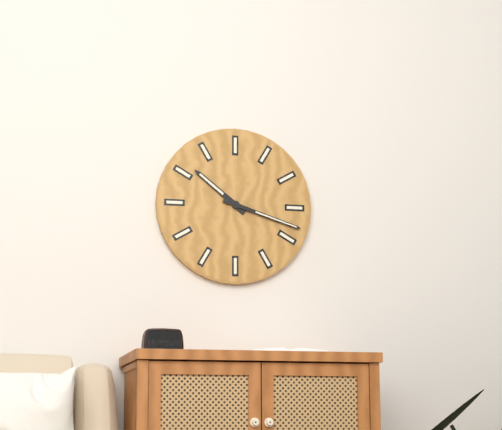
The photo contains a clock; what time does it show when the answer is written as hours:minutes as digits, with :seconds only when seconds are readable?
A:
10:18
